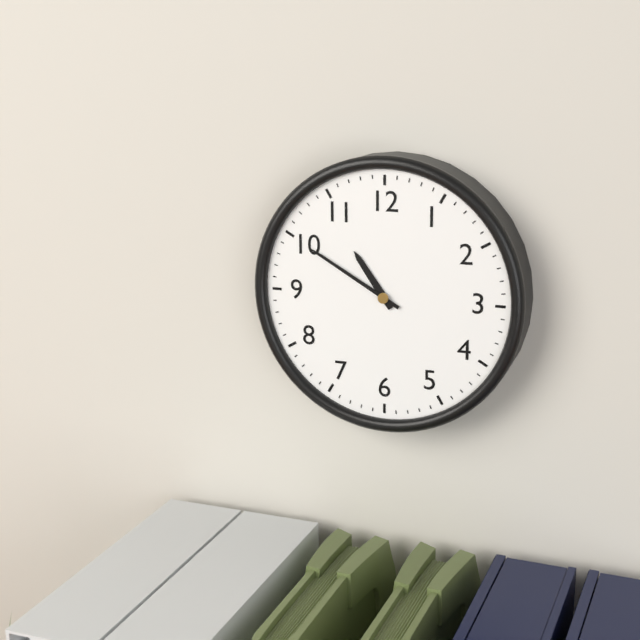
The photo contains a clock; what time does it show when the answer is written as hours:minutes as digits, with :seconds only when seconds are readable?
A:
10:50
